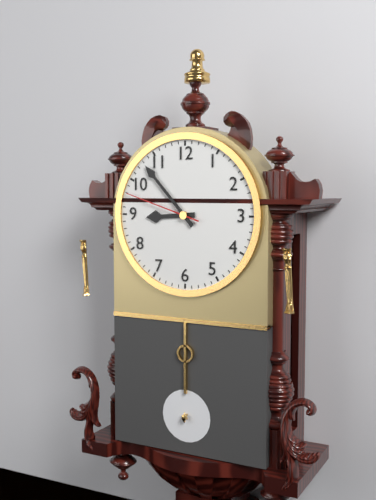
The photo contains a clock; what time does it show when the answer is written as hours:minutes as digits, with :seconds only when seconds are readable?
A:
8:53:48
